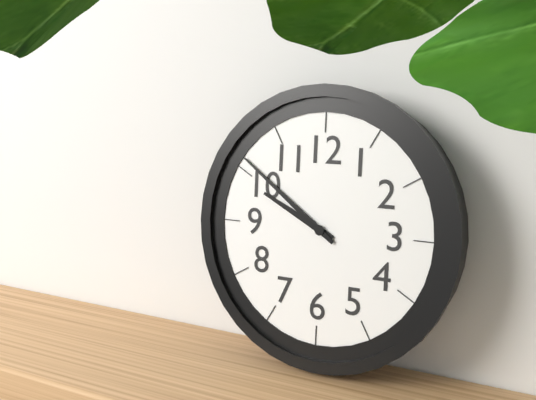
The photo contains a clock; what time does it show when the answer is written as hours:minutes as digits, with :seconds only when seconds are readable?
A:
9:51
